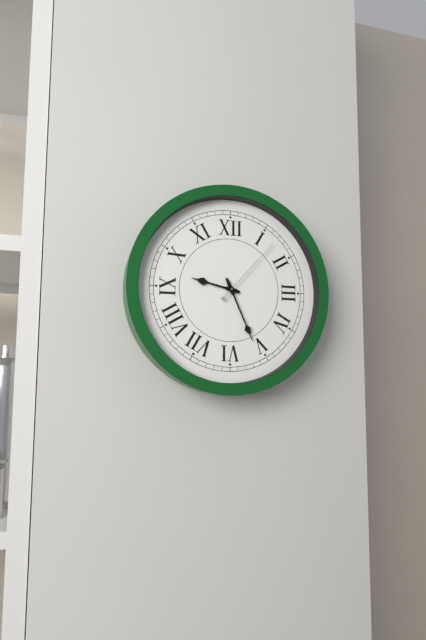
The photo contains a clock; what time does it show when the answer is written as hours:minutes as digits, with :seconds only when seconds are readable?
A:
9:26:07
